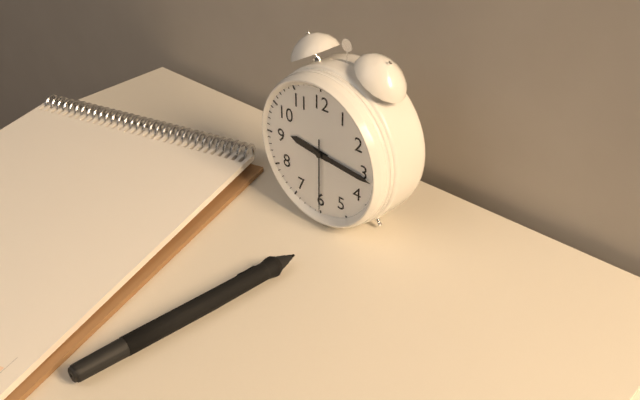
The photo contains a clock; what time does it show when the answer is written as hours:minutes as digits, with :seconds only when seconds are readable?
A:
9:16:30
